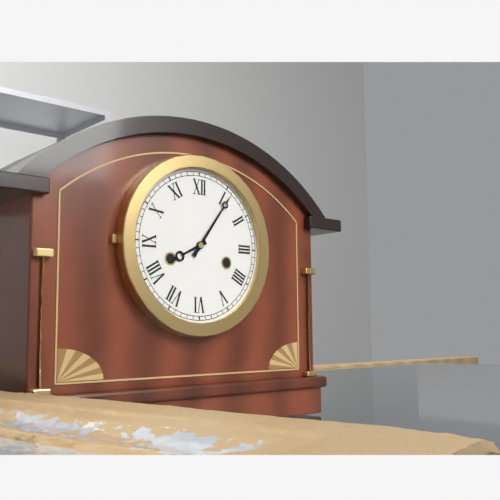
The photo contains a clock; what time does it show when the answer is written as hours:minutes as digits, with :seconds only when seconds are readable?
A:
8:06
